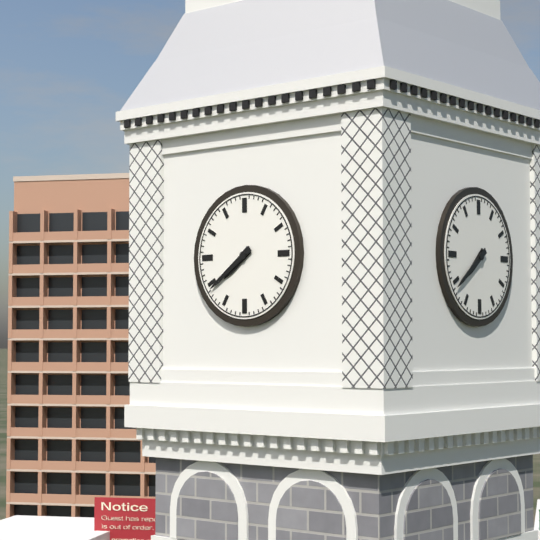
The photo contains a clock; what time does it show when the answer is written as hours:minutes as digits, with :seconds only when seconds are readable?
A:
7:39
